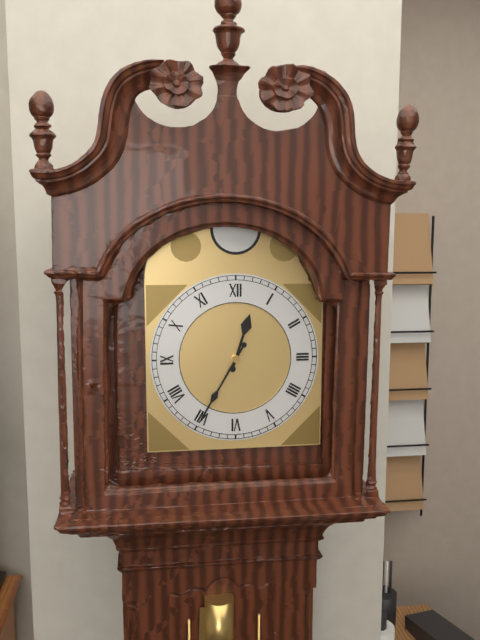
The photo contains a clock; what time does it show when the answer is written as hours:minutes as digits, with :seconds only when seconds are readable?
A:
12:35
